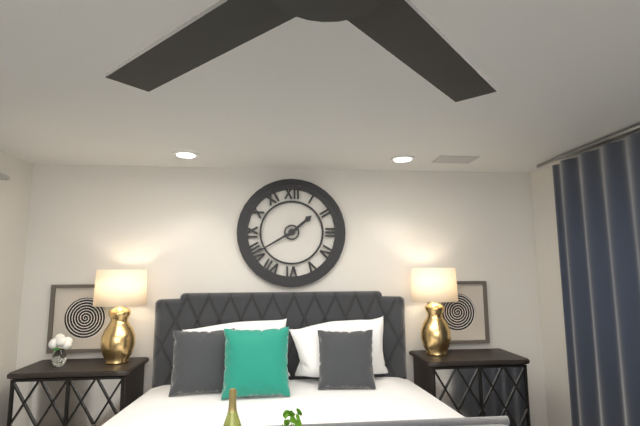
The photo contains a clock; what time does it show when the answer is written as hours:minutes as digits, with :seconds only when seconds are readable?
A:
1:40
